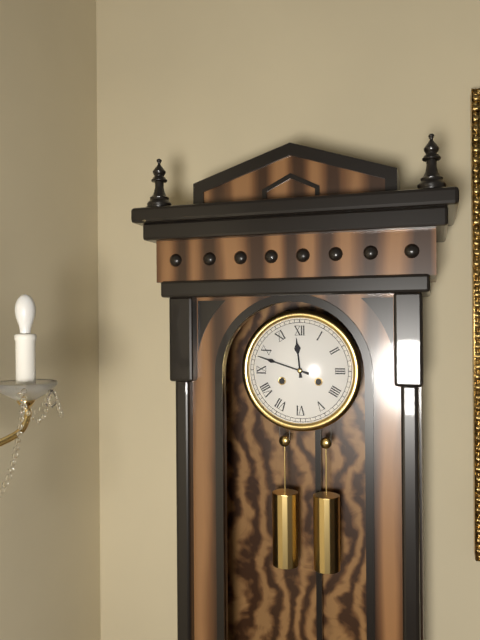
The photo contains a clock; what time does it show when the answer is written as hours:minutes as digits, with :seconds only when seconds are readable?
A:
11:48
